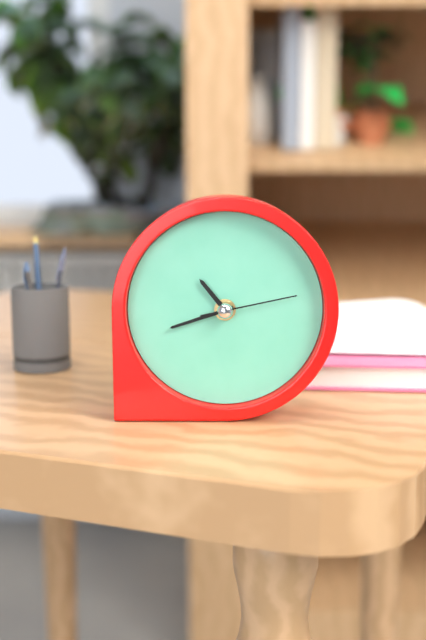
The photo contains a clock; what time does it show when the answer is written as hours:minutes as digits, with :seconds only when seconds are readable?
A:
10:42:13
